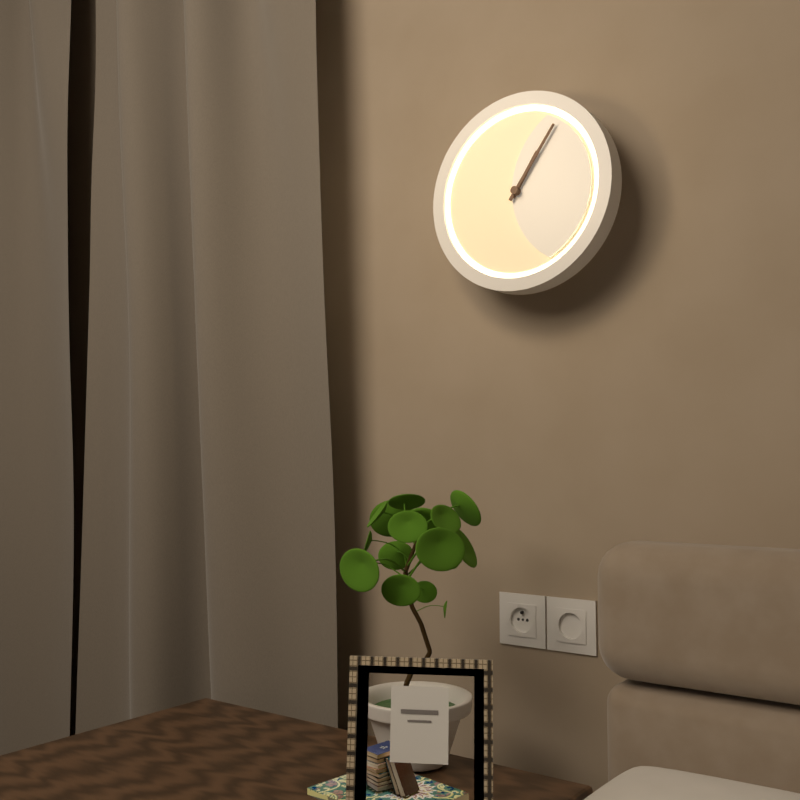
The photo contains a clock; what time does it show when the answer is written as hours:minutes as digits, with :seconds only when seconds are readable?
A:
1:06
